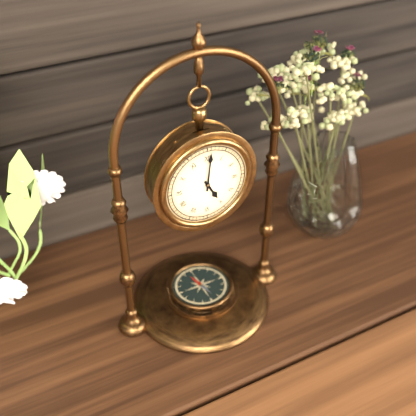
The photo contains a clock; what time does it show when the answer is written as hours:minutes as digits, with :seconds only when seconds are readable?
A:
5:01
